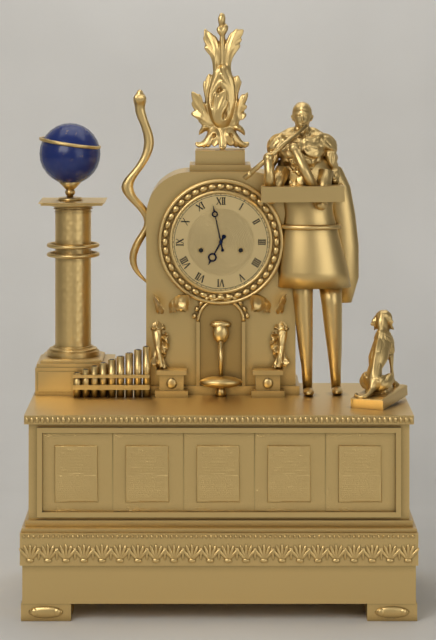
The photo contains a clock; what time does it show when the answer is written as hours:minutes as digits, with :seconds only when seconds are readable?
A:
6:58
